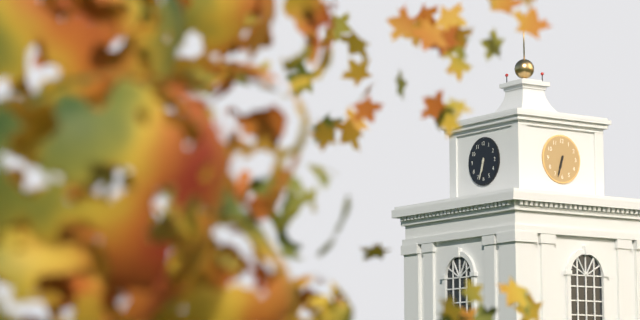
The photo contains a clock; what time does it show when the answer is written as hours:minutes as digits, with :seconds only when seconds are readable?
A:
6:33
